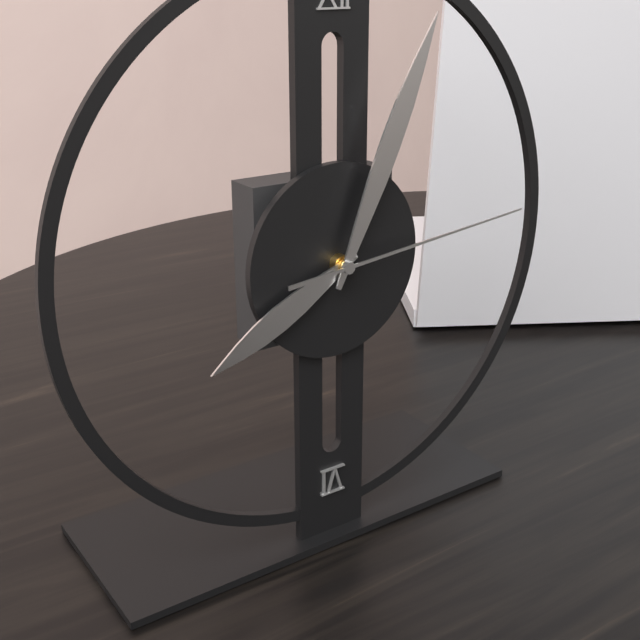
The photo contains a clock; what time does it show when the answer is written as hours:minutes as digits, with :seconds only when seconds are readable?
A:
8:04:14
